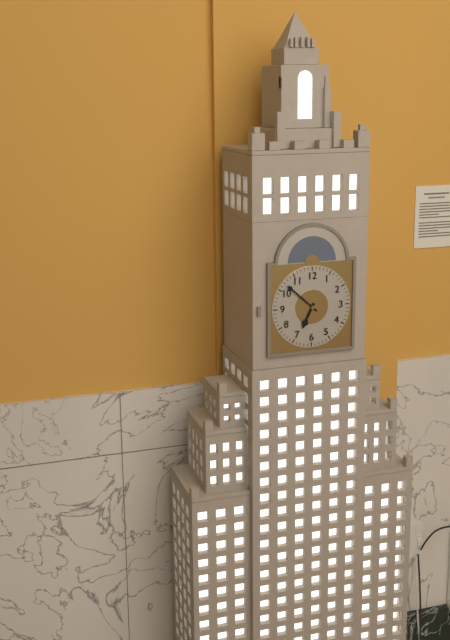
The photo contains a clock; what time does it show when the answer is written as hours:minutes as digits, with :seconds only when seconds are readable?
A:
6:52
